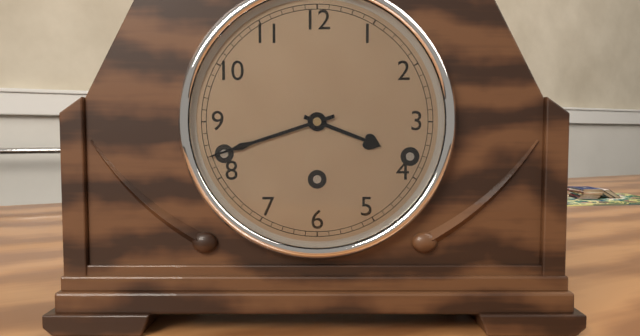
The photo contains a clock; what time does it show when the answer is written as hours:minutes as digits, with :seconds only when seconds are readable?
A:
3:42
